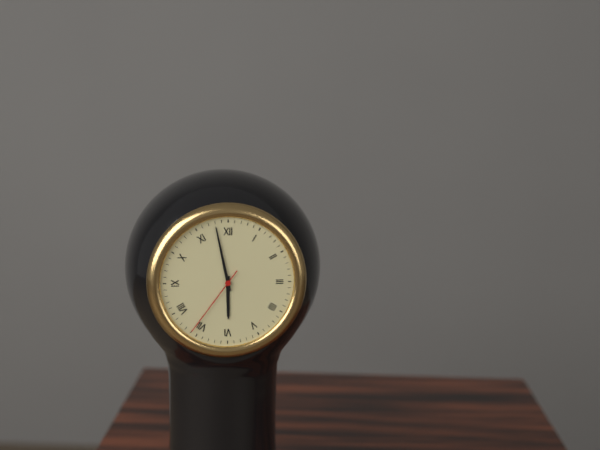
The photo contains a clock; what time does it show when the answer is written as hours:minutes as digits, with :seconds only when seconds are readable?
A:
5:58:36
